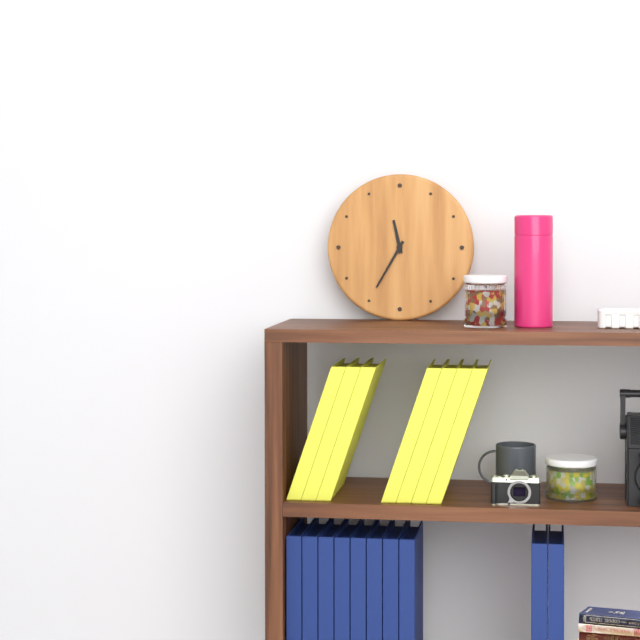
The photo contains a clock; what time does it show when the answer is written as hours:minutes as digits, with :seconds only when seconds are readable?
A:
11:35
